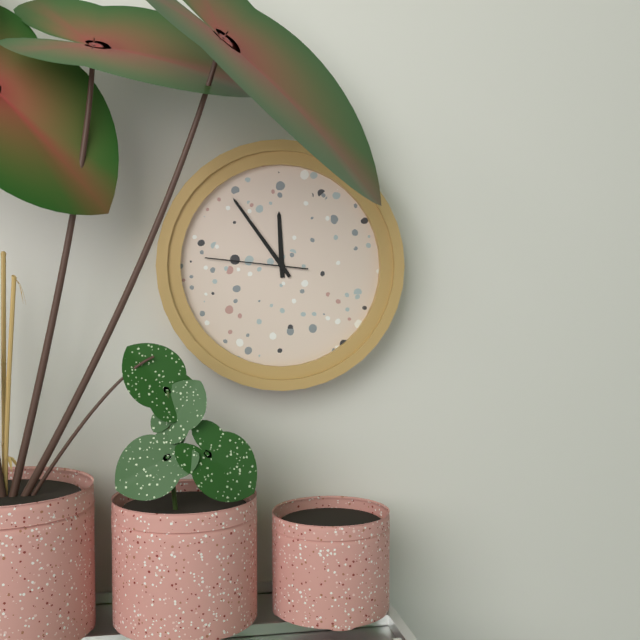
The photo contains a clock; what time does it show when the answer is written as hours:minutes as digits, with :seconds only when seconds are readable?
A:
11:54:46
